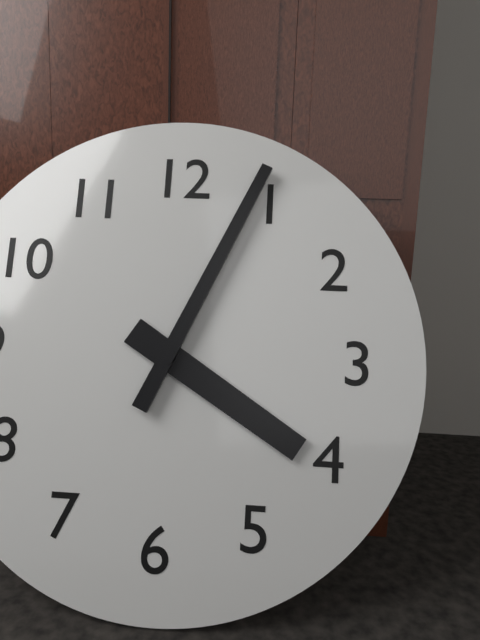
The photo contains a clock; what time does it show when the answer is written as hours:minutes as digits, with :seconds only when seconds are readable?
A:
4:04
